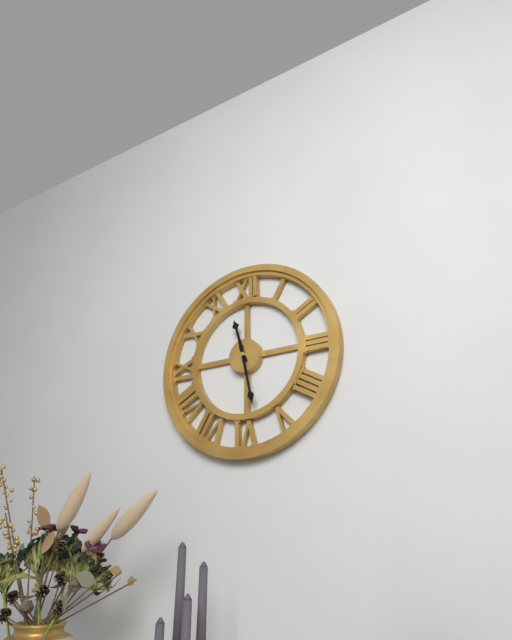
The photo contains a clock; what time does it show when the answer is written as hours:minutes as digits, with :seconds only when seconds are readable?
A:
11:28
